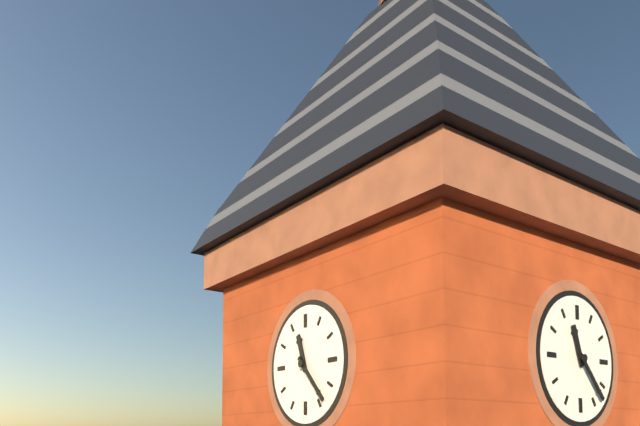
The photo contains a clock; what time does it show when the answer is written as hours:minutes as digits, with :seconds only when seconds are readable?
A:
11:23
